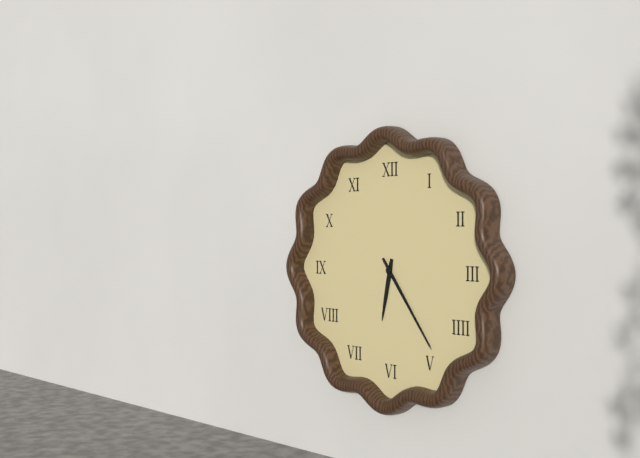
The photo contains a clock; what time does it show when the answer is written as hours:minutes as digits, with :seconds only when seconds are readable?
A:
6:24
